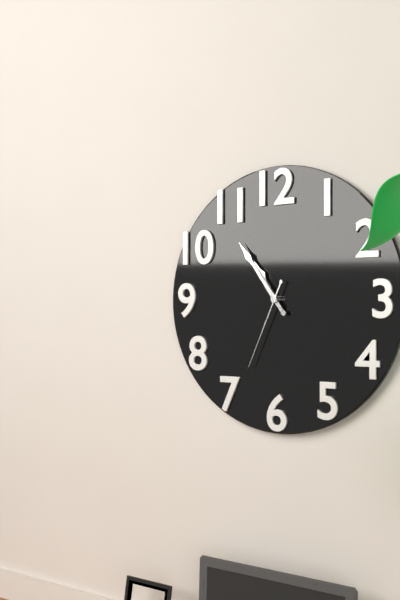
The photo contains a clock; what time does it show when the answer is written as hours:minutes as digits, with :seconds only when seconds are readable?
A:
10:54:34
